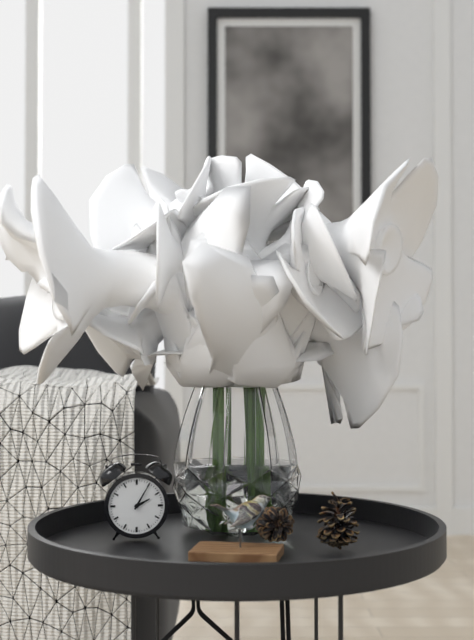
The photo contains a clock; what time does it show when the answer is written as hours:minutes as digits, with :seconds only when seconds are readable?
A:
2:05
